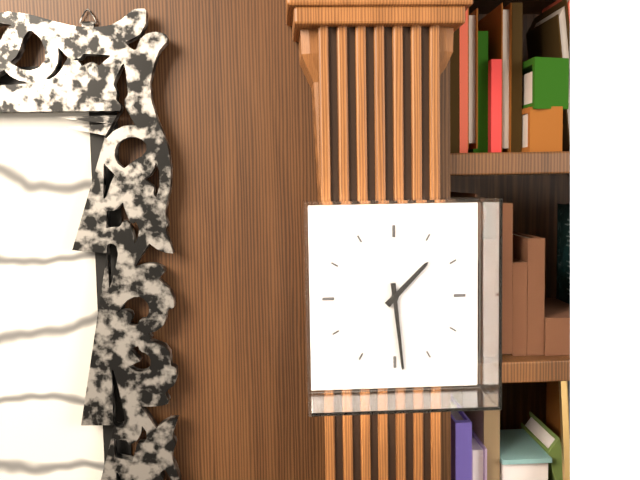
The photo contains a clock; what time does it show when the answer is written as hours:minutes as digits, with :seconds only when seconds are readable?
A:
1:29
